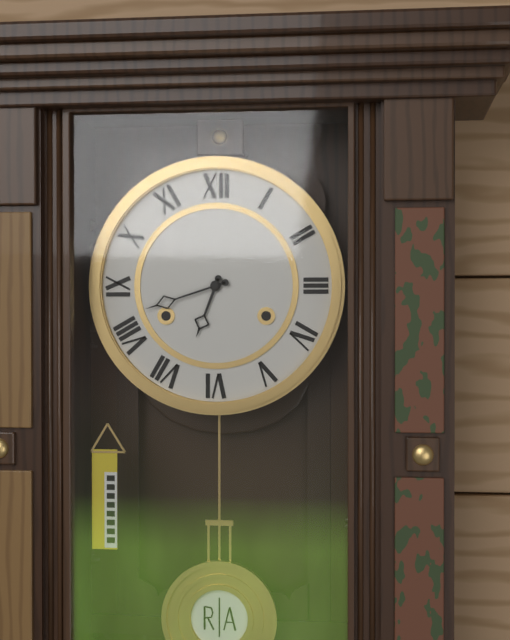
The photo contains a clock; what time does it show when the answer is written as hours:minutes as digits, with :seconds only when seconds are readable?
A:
6:42
